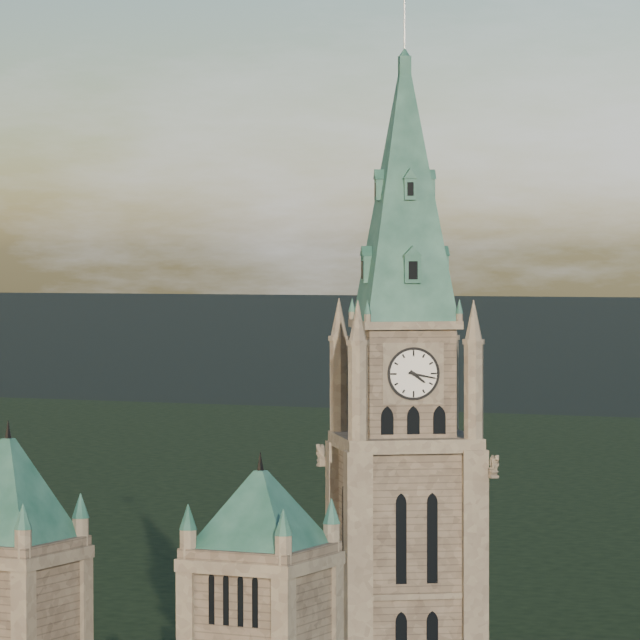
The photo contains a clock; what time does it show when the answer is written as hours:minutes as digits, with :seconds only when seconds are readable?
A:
4:17
